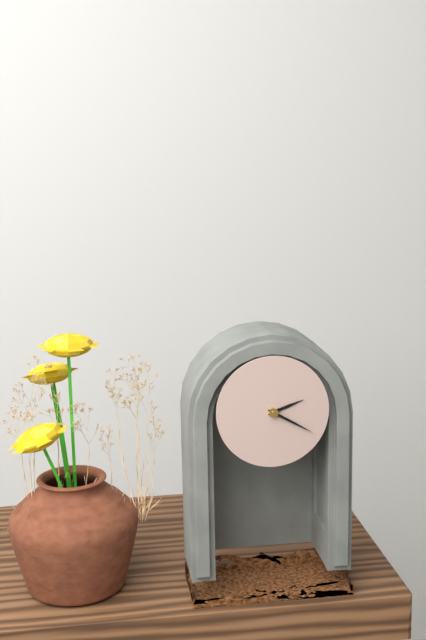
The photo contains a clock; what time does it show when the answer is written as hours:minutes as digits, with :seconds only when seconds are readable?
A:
2:20
